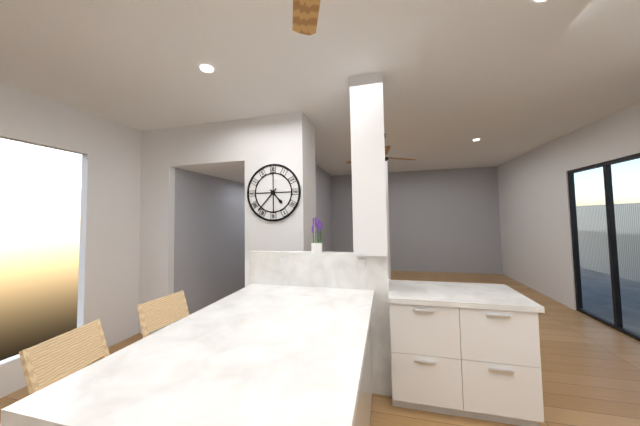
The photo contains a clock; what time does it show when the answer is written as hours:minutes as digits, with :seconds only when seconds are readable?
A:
4:37
